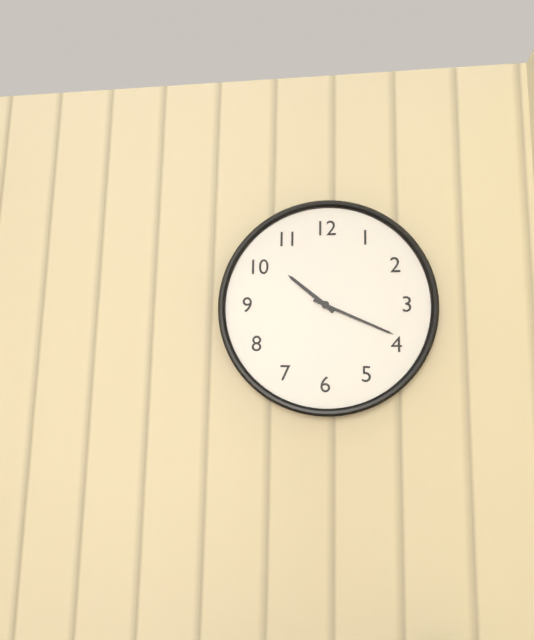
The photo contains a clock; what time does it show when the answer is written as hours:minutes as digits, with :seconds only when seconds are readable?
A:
10:19
